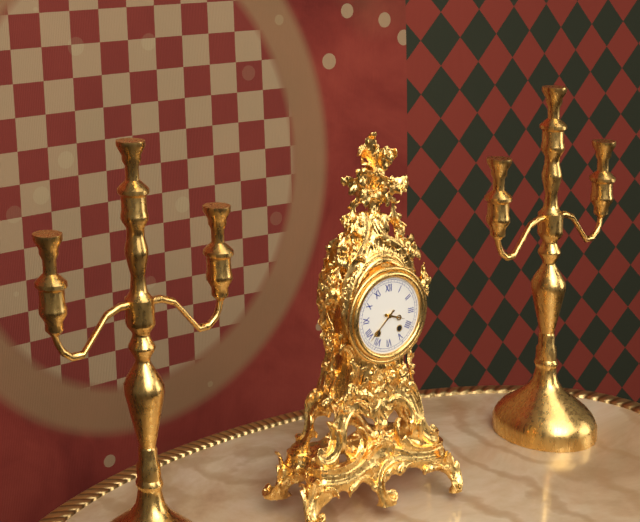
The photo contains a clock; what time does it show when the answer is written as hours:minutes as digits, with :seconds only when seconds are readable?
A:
3:38
